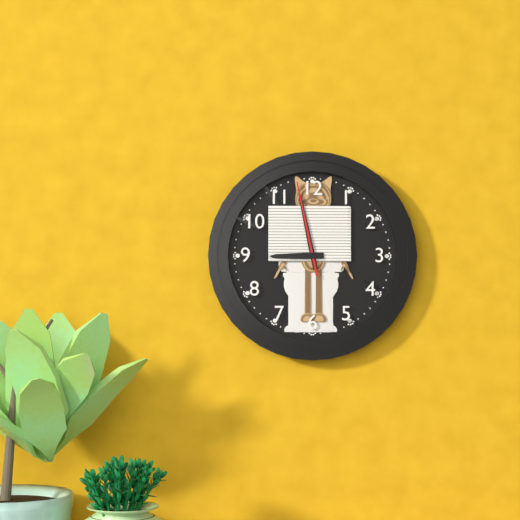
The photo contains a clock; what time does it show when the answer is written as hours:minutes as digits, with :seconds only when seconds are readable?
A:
8:58:58
